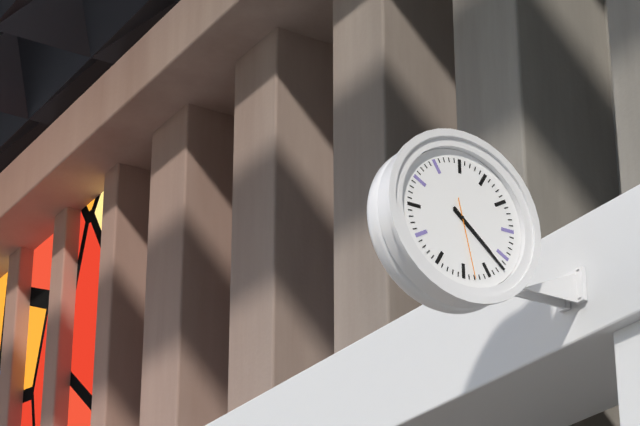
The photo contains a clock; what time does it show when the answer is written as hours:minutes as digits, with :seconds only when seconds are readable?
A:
4:22:28
